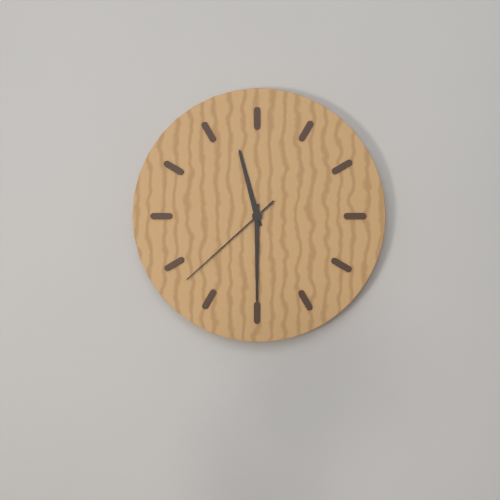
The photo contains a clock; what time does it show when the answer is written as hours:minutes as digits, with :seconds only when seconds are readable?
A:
11:30:38
